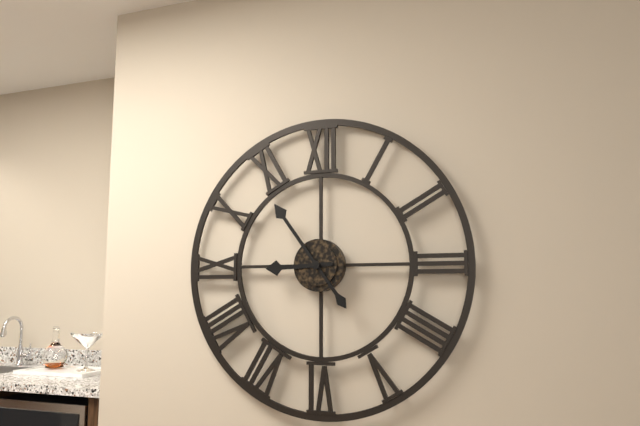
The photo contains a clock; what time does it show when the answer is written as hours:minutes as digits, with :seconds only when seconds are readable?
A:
8:54
